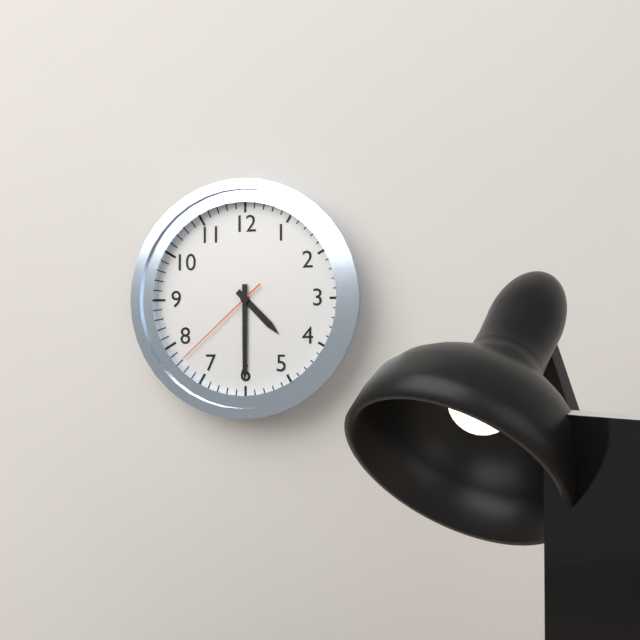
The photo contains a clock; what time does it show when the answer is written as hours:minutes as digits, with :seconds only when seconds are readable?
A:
4:30:38
